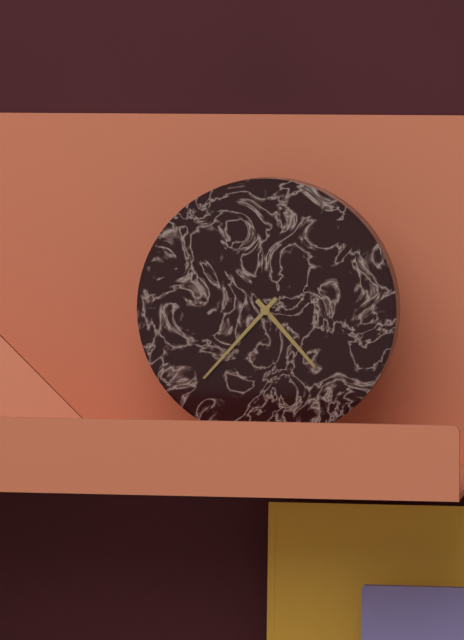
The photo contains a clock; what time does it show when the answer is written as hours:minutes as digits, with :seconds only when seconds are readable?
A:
4:37
